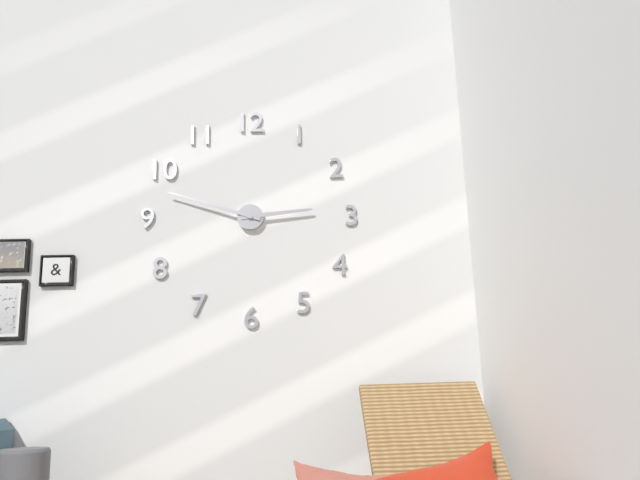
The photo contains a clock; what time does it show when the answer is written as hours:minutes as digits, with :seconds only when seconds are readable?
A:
2:48
